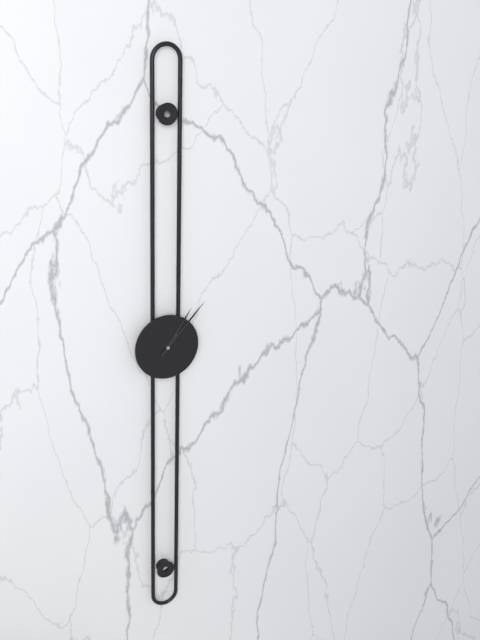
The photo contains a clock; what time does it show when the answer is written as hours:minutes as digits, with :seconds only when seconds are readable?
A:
1:07
